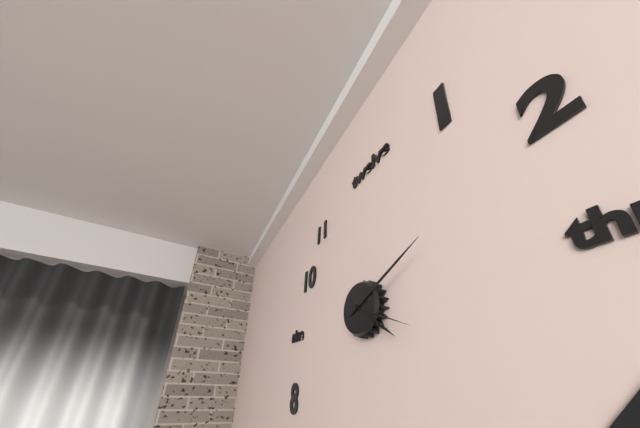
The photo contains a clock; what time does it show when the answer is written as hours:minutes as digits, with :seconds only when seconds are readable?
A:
4:11:19
